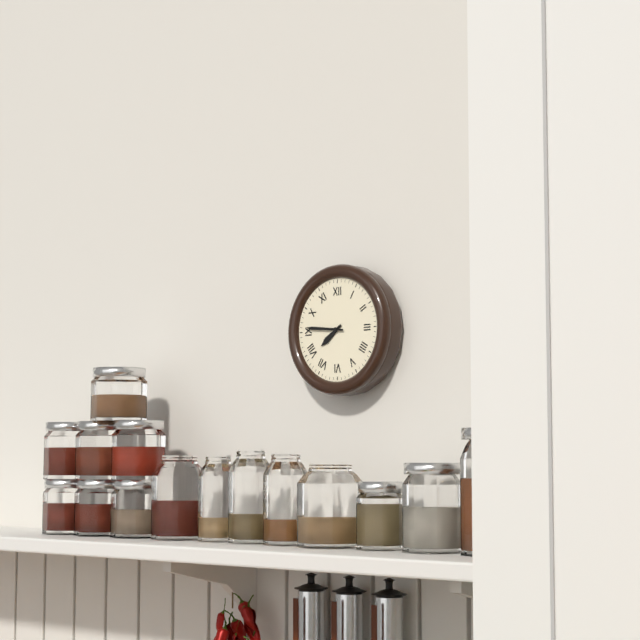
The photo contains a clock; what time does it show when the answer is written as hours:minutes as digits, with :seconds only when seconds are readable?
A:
7:46
